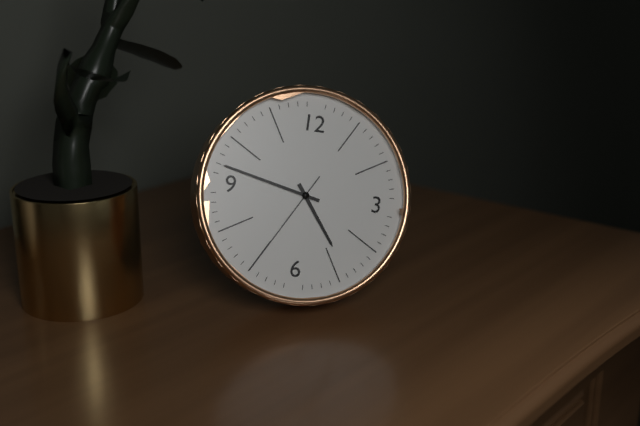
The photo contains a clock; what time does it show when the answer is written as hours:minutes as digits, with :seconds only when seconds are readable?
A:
4:47:35
